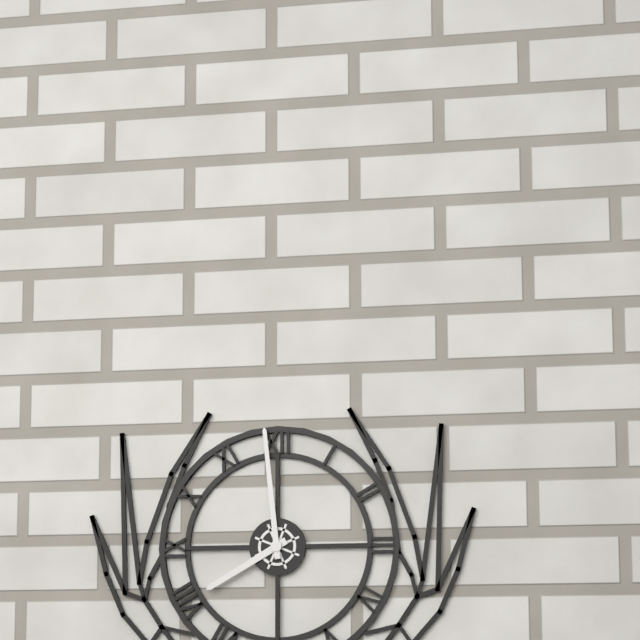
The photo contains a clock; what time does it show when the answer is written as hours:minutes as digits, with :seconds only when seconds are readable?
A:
7:59
